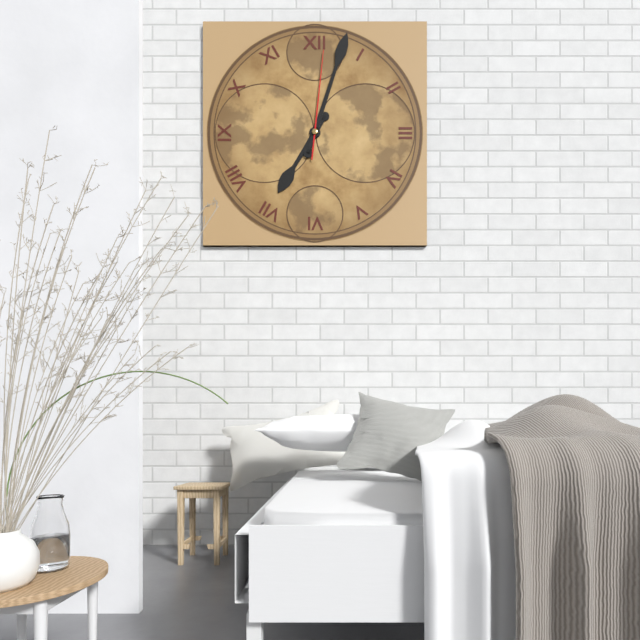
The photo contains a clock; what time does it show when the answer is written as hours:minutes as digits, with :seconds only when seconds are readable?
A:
7:03:01
